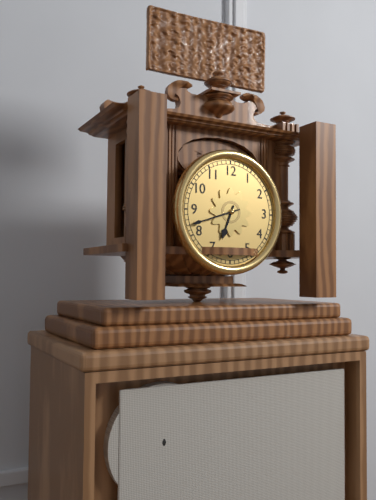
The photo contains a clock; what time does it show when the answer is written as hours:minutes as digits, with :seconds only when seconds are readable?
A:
6:42
